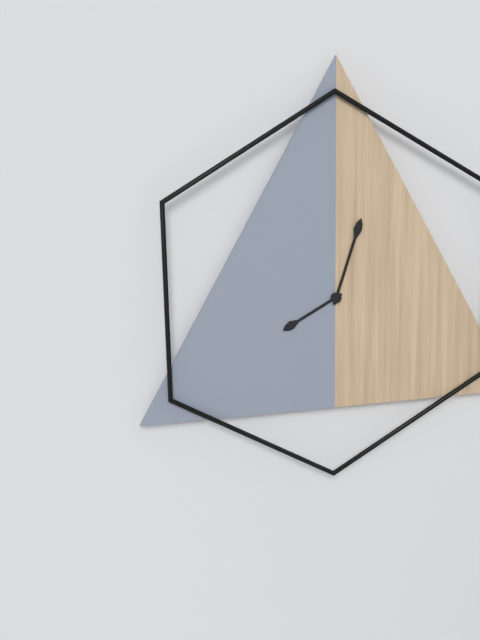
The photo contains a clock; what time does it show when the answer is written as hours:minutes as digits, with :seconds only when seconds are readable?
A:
8:03
